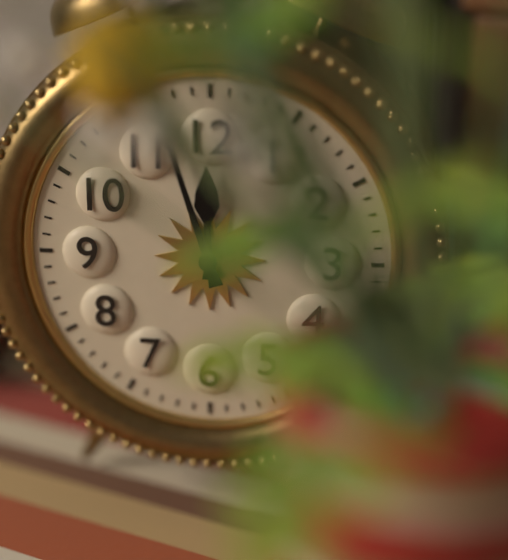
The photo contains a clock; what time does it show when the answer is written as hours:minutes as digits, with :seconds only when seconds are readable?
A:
11:57
